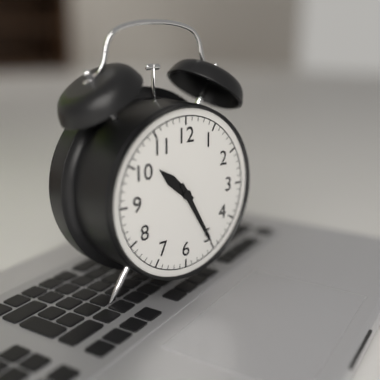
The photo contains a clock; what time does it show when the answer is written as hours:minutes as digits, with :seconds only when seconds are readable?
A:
10:25
